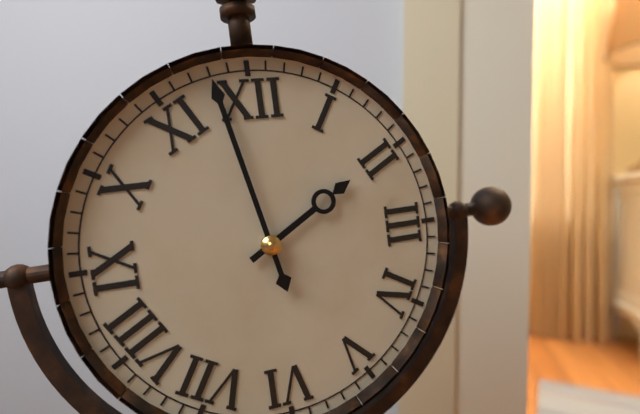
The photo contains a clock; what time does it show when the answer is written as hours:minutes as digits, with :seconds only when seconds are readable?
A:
1:58
